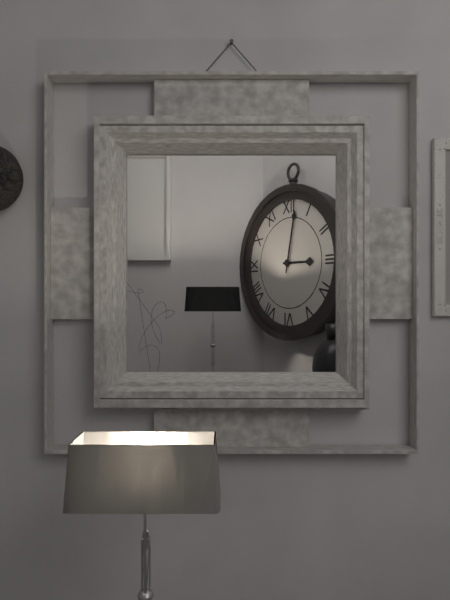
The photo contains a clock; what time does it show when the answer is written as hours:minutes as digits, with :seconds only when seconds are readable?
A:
3:02
